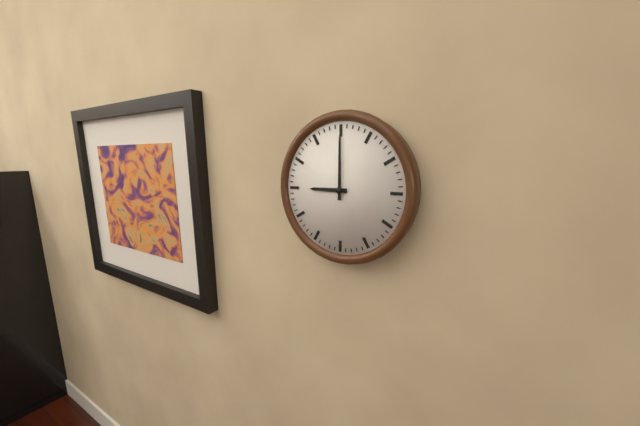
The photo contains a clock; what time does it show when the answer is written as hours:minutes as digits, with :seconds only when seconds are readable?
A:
9:00
